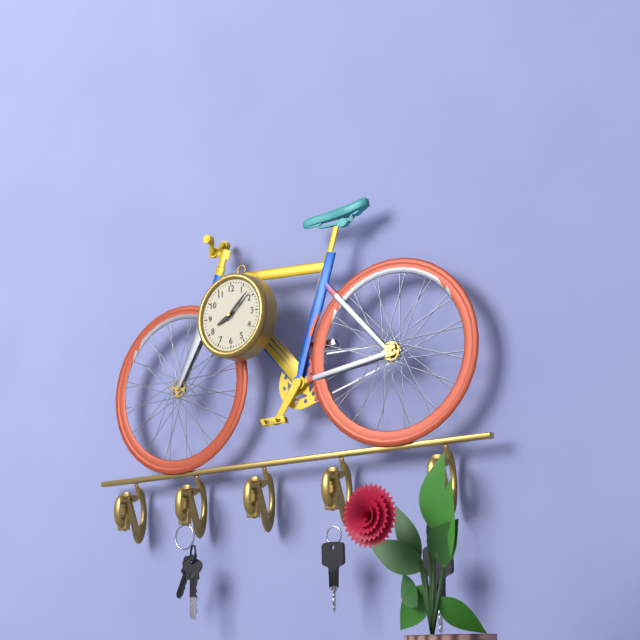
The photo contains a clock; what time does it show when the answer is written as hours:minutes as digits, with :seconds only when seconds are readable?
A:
8:08
